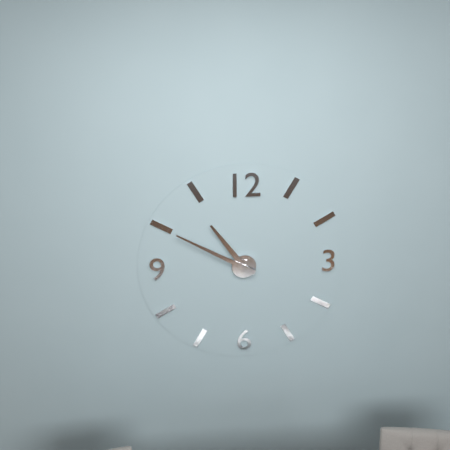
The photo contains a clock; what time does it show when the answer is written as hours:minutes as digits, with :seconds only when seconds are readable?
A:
10:50
